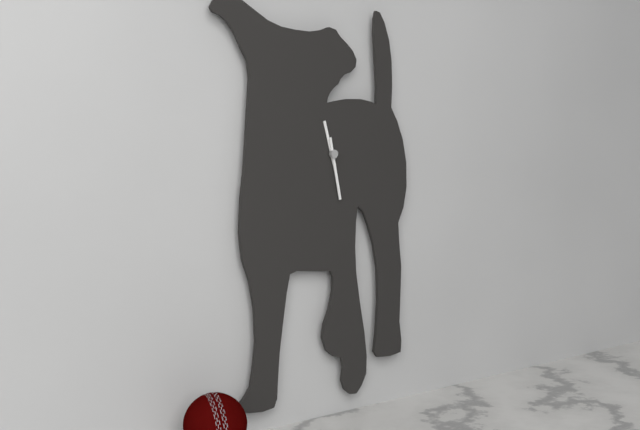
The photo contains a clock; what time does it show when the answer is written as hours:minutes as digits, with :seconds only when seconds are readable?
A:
11:28
